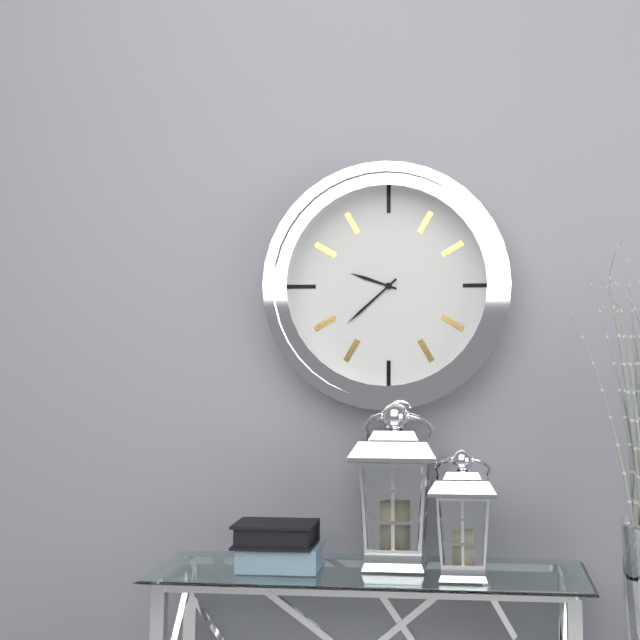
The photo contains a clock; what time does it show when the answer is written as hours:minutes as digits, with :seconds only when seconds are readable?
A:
9:38
